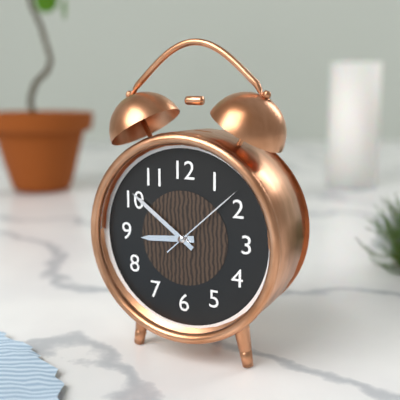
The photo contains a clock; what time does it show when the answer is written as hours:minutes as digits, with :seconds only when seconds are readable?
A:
8:51:08
